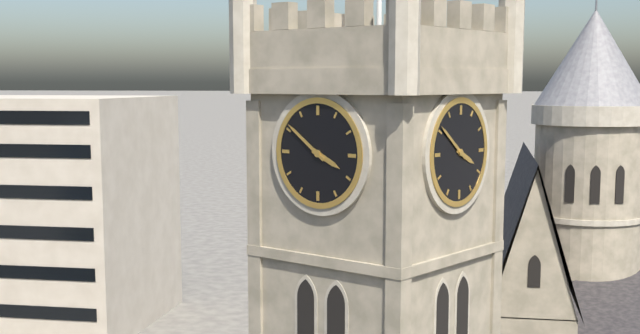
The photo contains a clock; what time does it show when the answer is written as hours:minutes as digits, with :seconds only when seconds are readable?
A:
3:51
